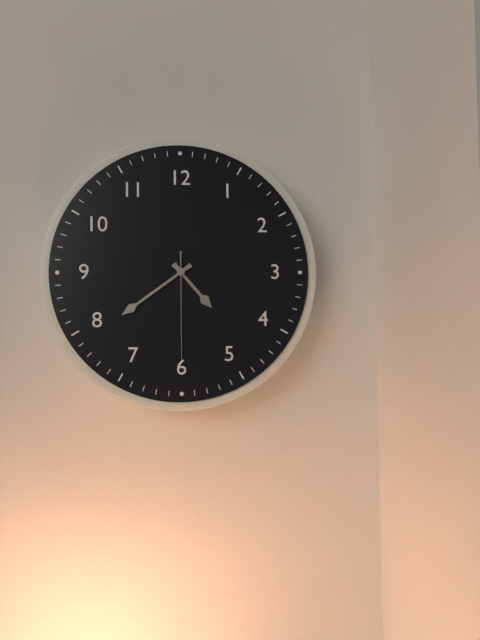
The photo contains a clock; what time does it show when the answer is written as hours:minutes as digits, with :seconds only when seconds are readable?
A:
4:39:30
